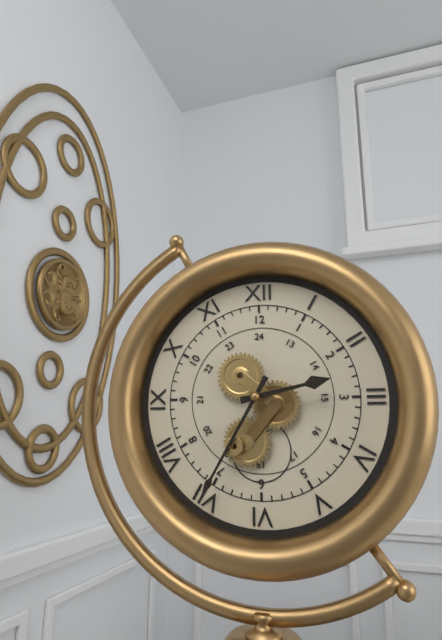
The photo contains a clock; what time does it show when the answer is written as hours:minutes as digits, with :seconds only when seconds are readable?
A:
2:35
